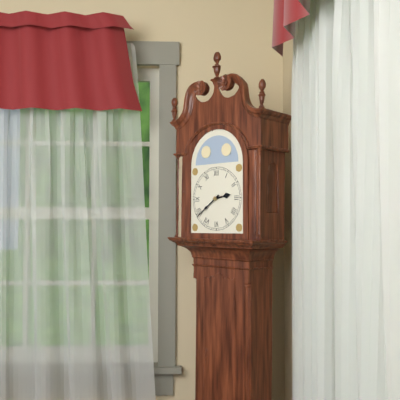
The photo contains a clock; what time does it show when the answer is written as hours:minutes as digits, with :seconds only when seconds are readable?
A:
2:39
